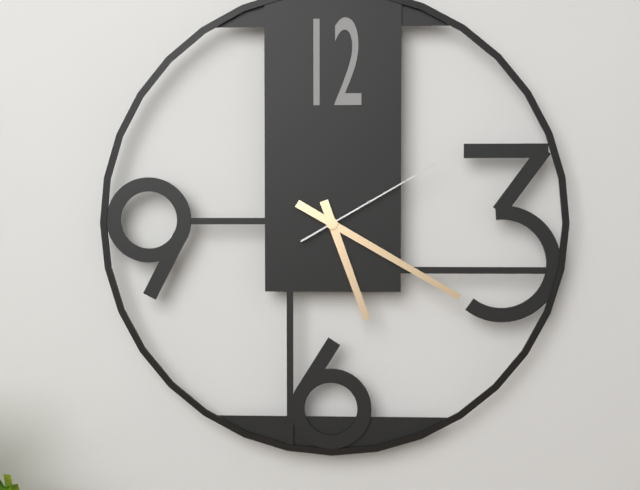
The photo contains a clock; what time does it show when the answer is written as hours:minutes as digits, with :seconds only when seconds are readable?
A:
5:20:10
